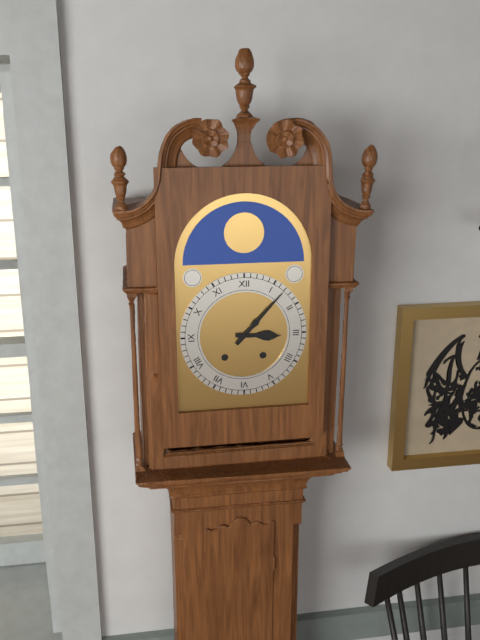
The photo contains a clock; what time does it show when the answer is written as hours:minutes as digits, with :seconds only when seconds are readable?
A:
3:07
